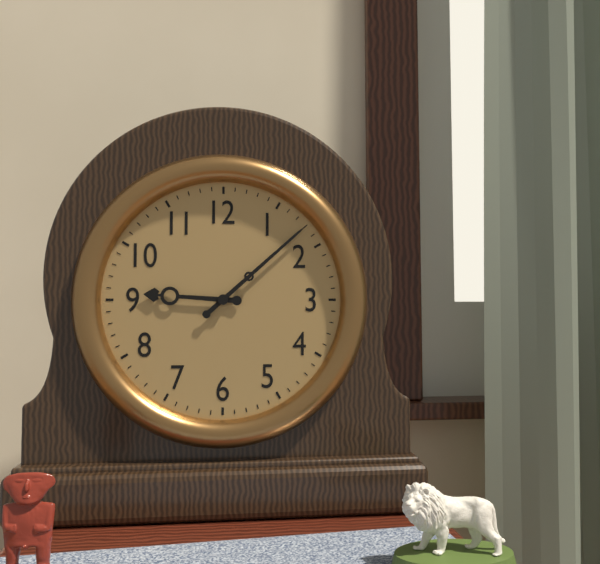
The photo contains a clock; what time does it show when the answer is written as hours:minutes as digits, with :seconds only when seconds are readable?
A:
9:08
